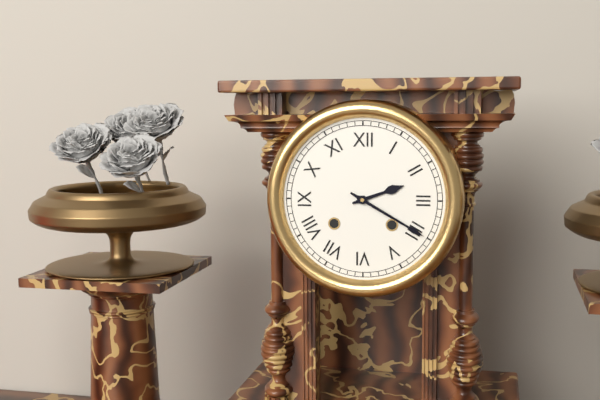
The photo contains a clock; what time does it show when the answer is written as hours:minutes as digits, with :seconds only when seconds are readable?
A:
2:20
